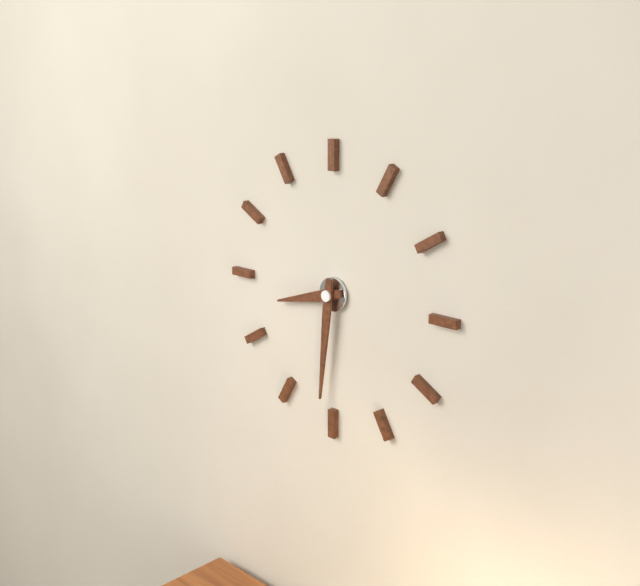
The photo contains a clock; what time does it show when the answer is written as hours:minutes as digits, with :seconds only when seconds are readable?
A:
8:31
